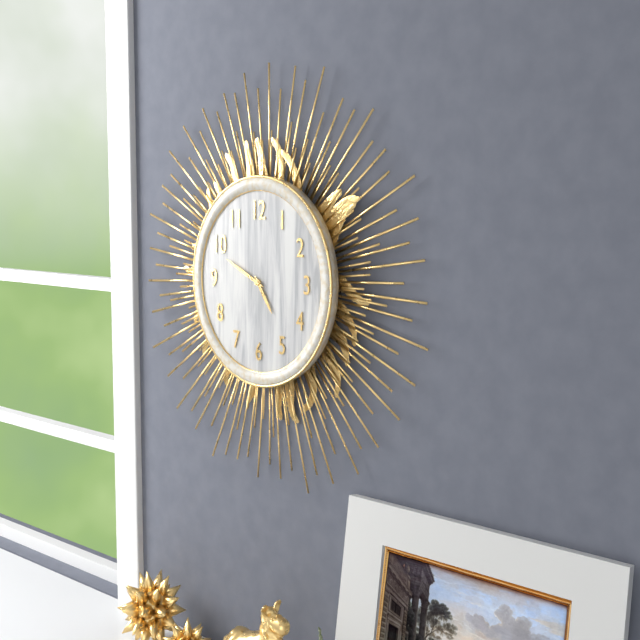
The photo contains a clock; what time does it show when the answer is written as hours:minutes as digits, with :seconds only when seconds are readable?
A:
4:49
